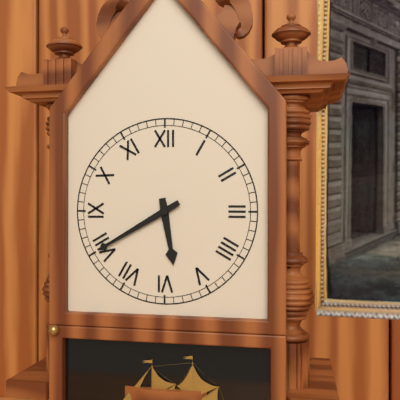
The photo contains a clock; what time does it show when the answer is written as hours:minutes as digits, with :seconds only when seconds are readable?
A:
5:40
